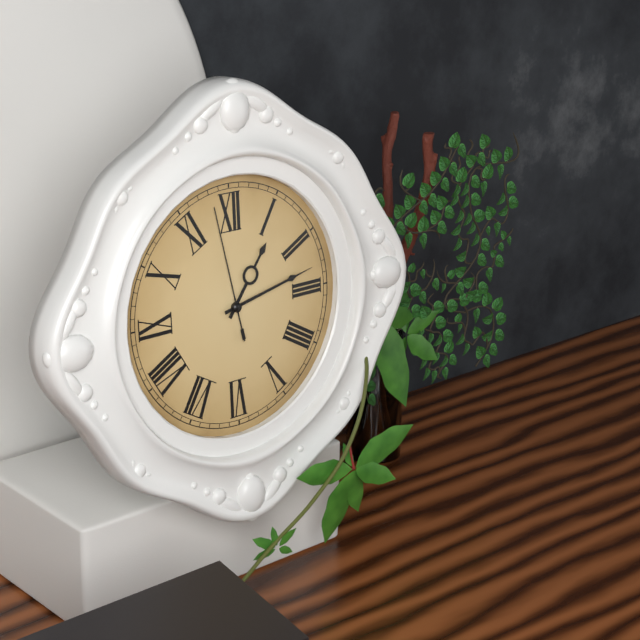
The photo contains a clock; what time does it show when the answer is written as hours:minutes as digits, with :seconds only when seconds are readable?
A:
1:13:58
